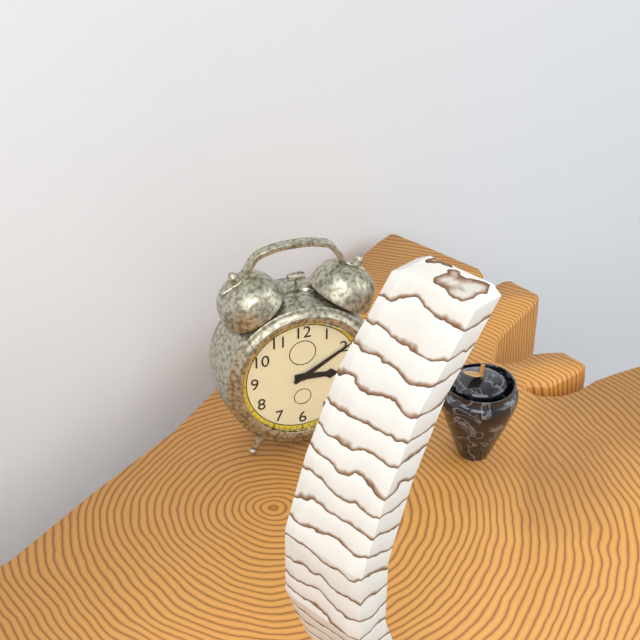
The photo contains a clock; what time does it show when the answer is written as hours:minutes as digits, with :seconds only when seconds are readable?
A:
3:10
